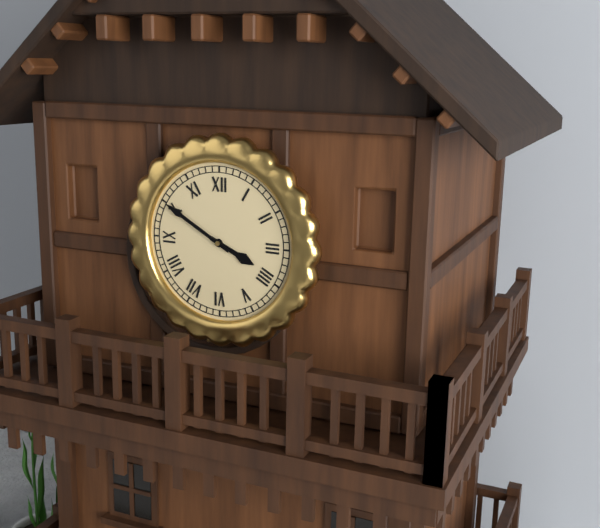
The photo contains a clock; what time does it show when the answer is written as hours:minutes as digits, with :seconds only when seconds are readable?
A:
3:50
